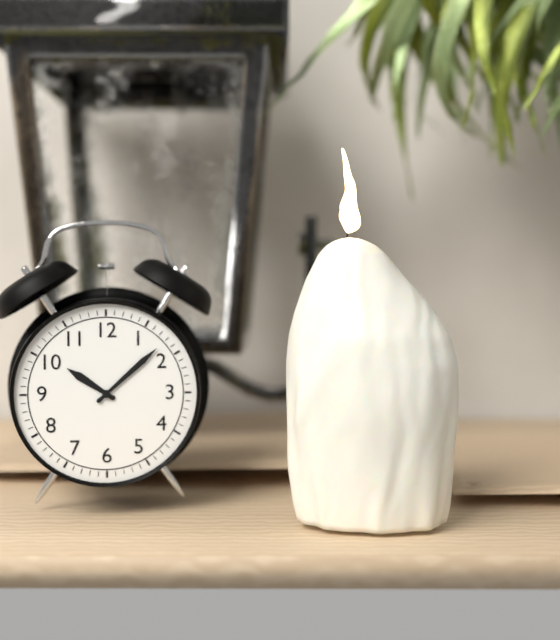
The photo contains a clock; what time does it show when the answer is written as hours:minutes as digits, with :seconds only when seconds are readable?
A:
10:08
